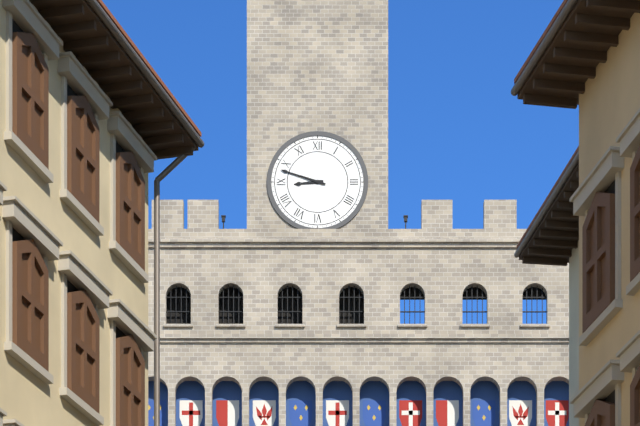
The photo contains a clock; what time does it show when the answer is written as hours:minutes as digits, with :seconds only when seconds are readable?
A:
8:48
